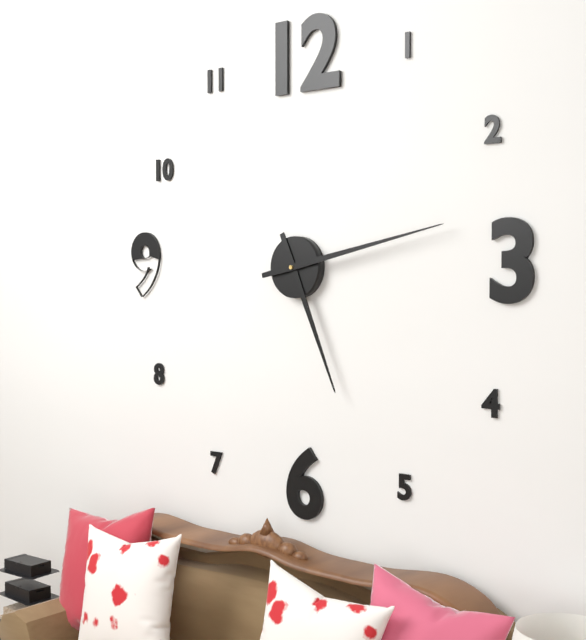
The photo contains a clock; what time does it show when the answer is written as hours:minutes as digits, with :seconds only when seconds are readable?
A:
5:13
